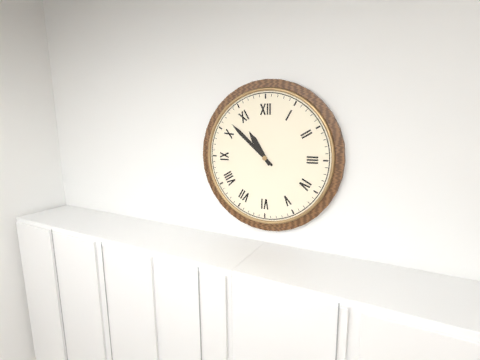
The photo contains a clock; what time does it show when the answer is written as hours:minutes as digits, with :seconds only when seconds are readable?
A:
10:52
